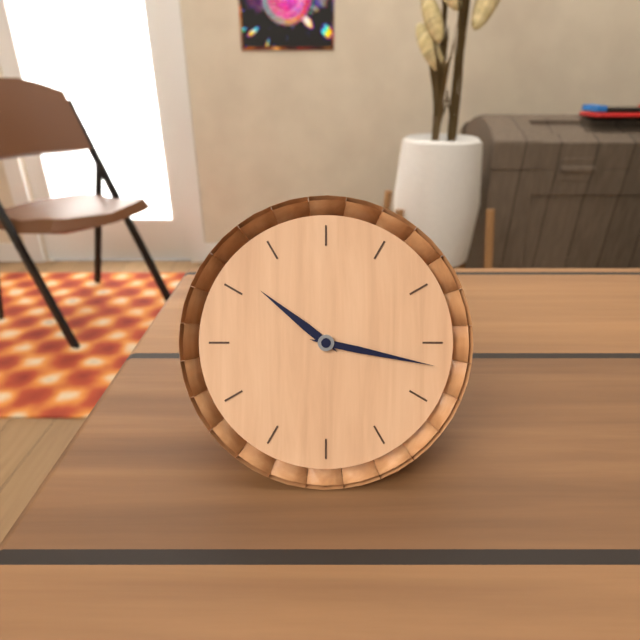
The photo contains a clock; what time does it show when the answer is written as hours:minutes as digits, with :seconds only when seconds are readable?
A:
10:17
